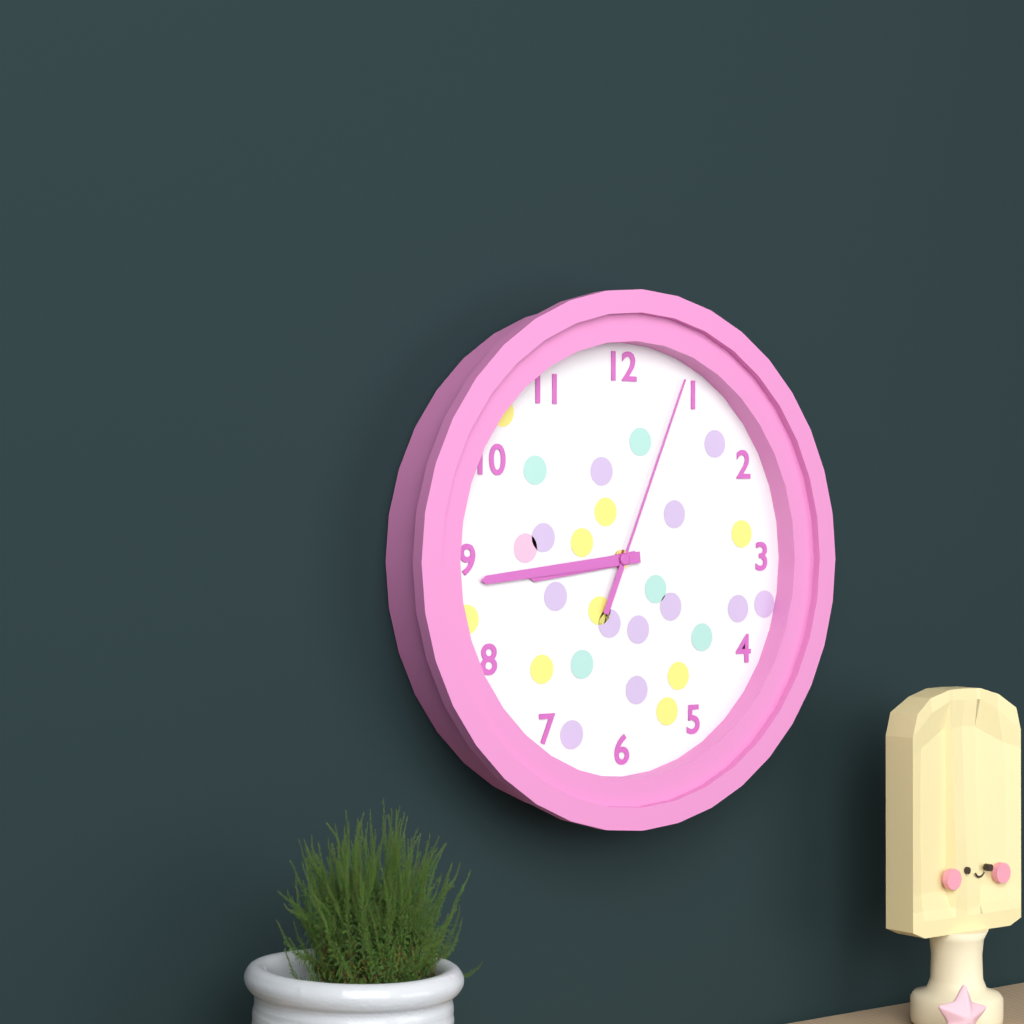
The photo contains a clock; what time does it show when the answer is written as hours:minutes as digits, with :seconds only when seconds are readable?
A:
8:44:04
